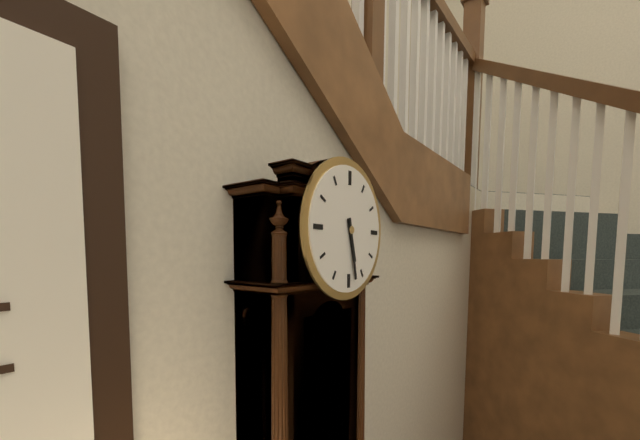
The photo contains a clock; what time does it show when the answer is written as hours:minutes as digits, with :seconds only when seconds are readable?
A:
5:28
